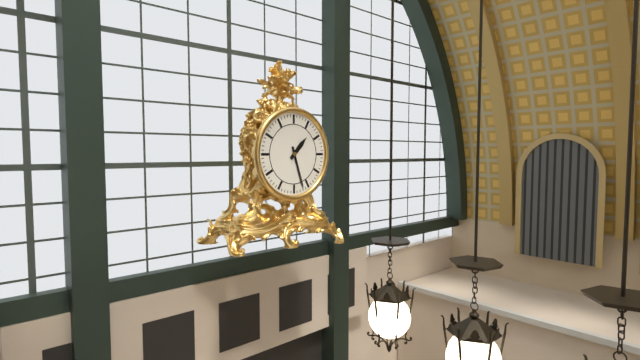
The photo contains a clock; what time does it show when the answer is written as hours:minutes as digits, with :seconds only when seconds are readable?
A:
1:27
